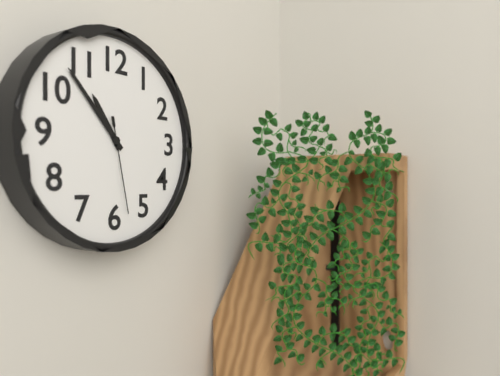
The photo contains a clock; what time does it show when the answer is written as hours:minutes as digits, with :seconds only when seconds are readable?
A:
10:53:28
